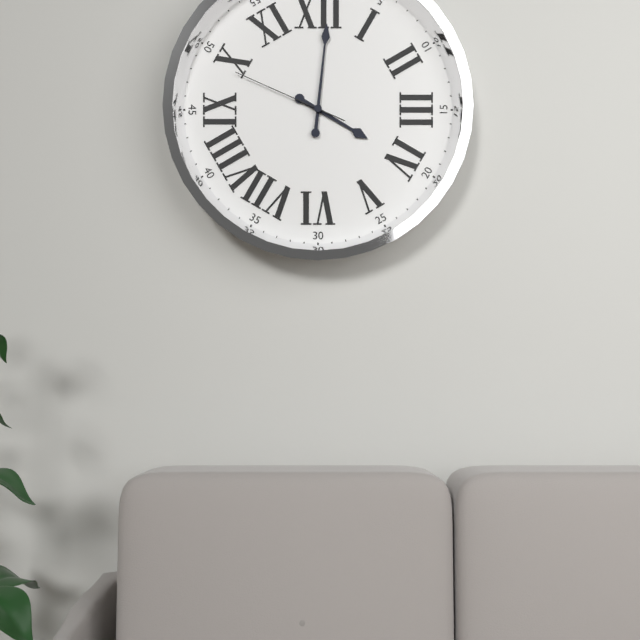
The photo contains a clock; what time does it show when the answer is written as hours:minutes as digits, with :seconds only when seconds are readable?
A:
4:01:49
